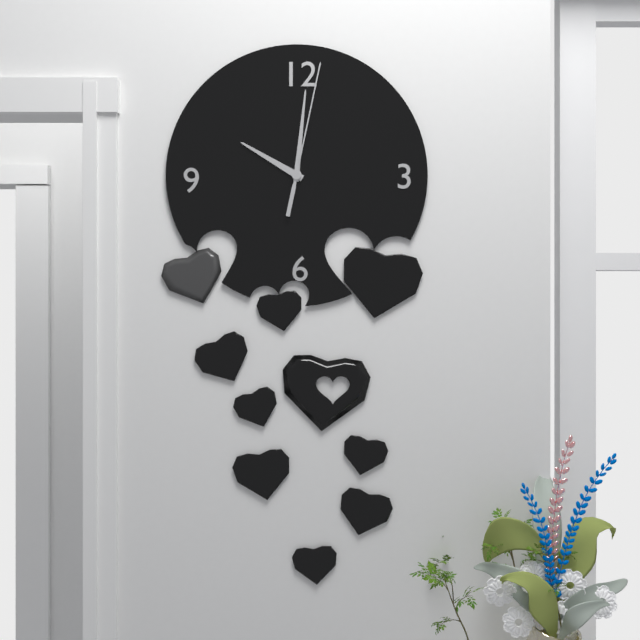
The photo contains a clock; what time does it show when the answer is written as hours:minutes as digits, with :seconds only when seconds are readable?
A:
10:01:02
